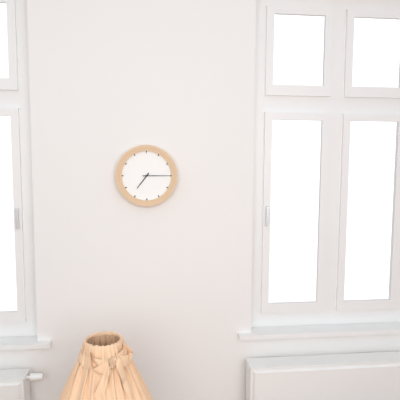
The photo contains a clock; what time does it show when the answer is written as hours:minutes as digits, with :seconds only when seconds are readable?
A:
7:15
